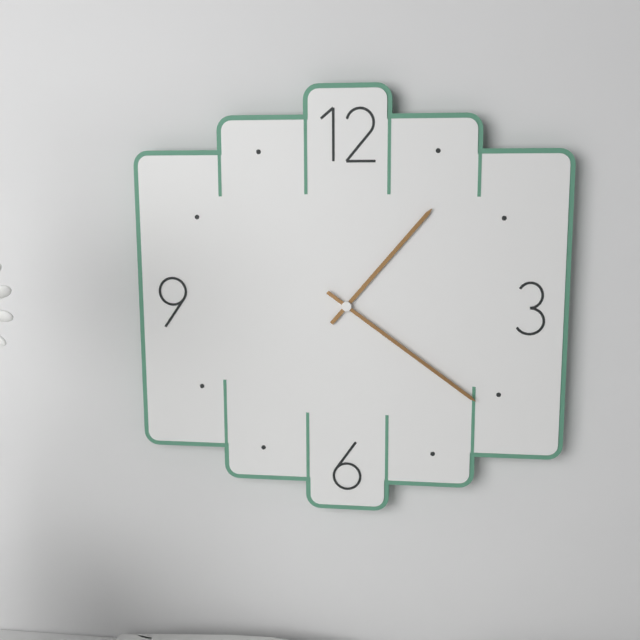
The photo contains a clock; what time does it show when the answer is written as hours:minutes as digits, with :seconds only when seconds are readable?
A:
1:21
